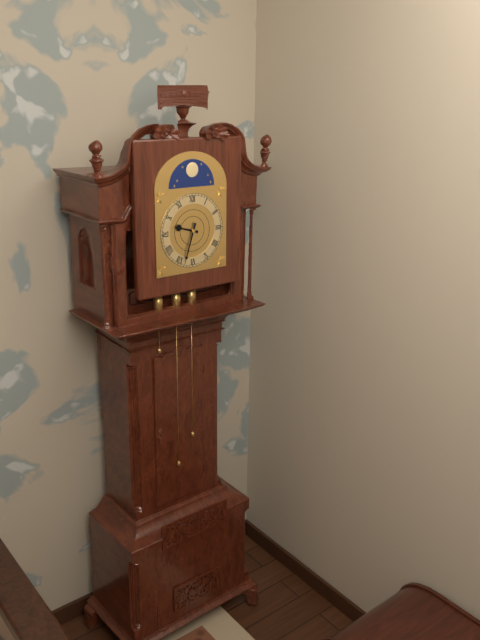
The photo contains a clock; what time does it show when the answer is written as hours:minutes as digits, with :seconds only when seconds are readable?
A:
9:33
